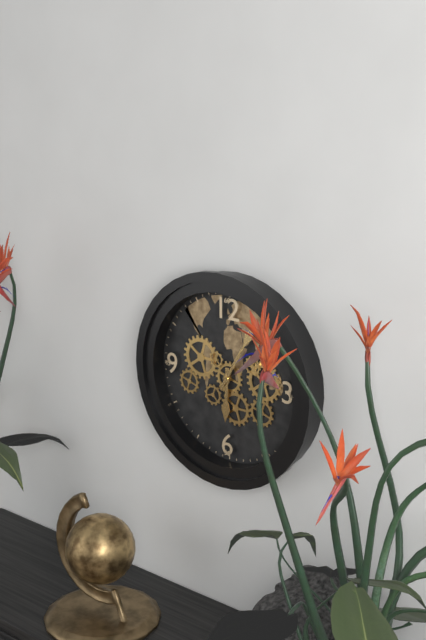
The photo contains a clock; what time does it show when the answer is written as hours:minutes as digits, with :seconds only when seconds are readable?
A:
6:05
